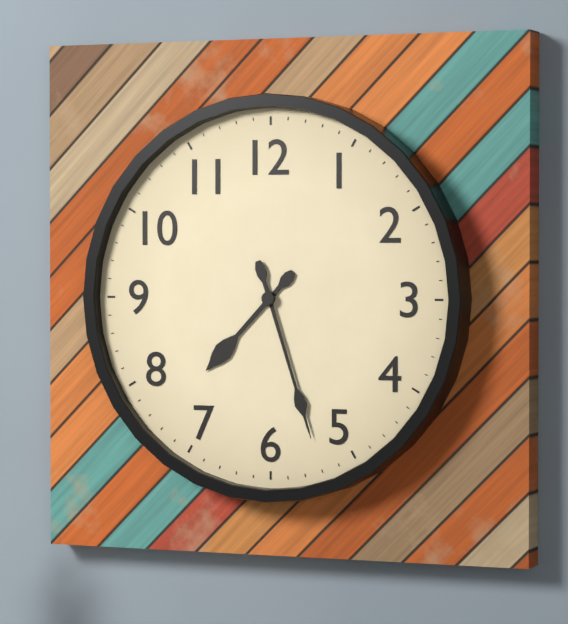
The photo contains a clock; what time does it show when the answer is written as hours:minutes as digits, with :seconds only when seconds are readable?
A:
7:27
